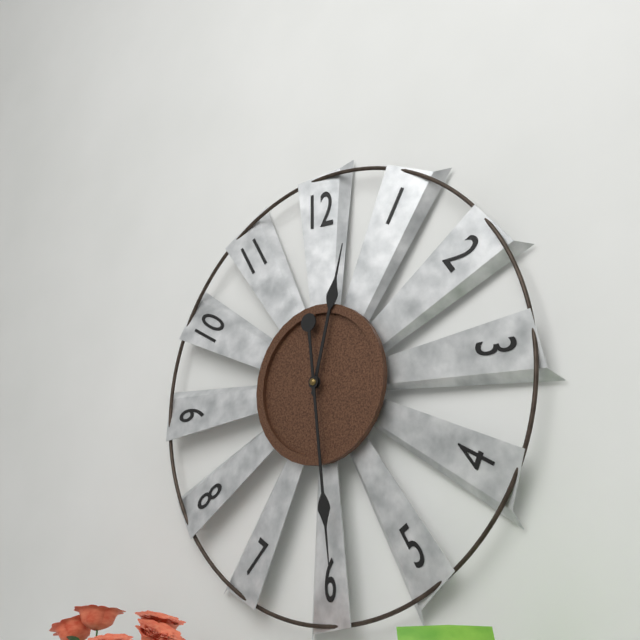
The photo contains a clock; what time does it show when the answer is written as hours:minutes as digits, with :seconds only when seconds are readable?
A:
12:29
